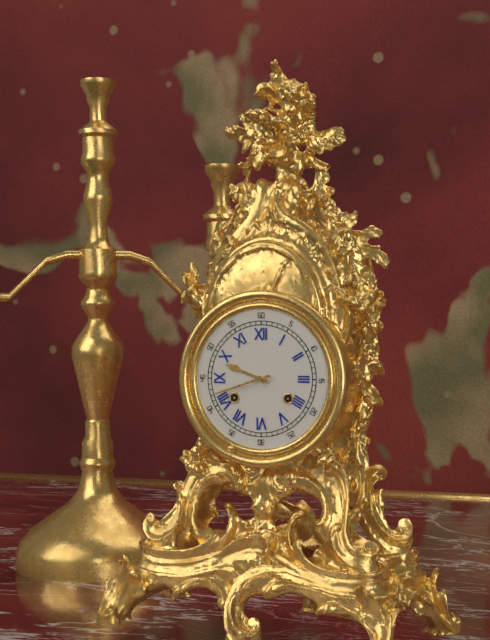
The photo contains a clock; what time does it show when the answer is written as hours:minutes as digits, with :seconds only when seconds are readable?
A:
9:42
